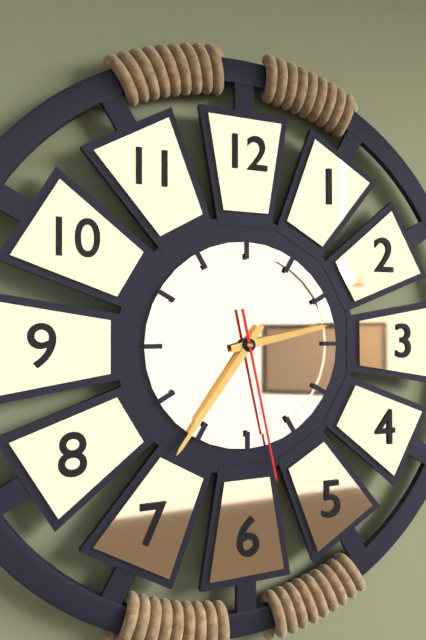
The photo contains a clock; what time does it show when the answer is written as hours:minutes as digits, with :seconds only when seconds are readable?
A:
2:36:28
